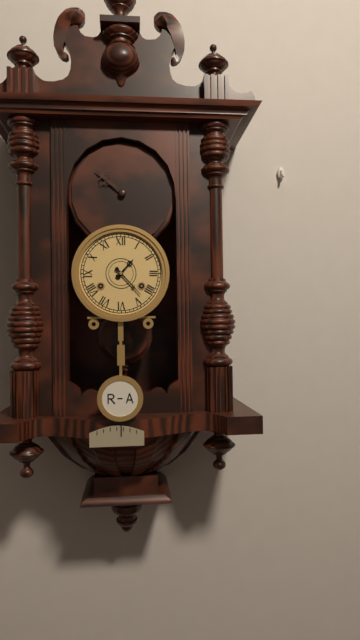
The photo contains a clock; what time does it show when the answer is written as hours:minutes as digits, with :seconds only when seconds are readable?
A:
1:23
